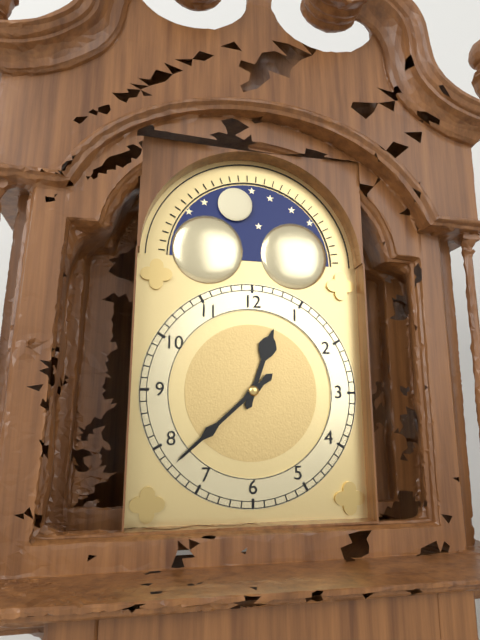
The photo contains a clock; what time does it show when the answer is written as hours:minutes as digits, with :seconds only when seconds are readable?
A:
12:38
